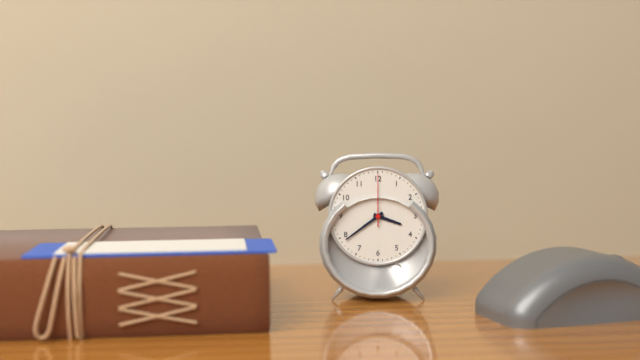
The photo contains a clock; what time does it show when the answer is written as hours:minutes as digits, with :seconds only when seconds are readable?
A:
3:39:00
